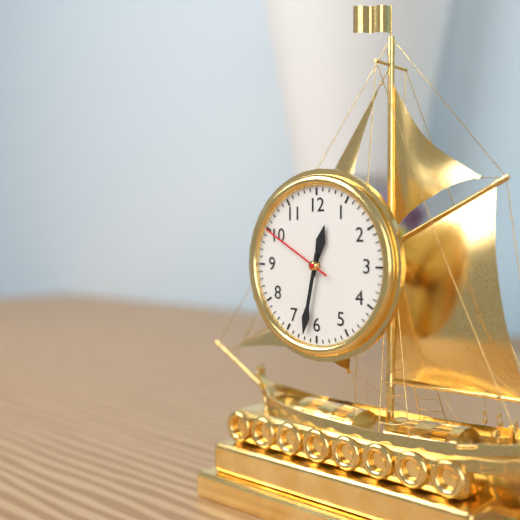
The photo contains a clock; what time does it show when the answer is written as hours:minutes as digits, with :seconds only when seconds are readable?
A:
12:32:50
